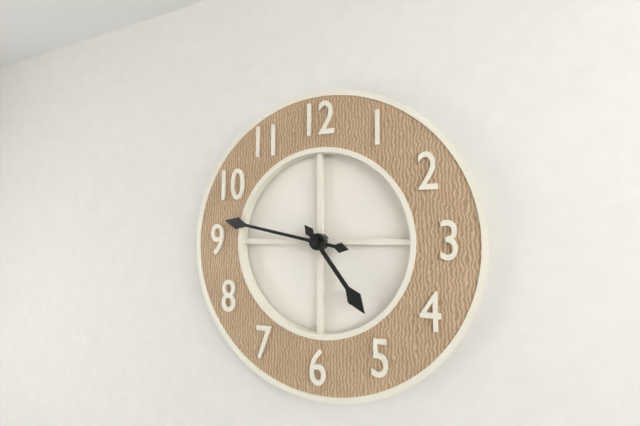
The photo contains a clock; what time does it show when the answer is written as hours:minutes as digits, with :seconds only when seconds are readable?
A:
4:47
